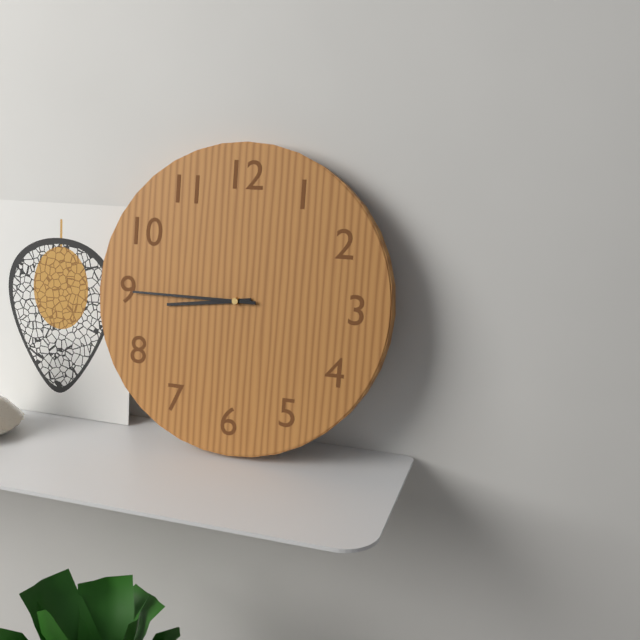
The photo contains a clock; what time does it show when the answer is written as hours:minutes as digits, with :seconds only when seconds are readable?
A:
8:45
